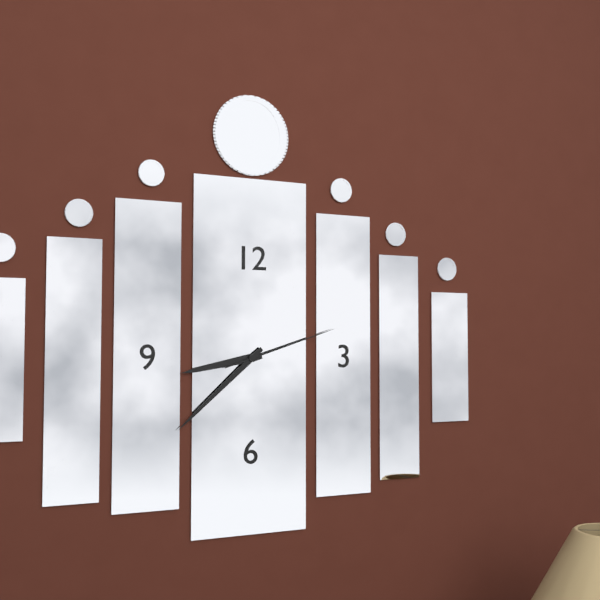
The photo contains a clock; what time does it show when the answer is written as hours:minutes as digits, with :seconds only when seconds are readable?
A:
8:38:12
